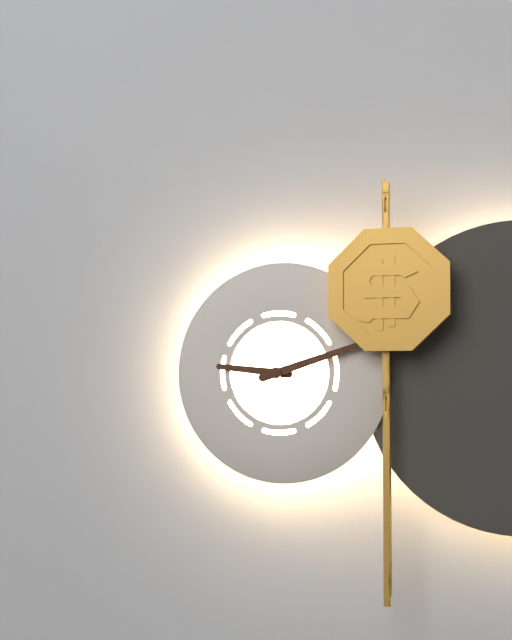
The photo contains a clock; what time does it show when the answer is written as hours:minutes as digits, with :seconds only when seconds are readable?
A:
9:12
